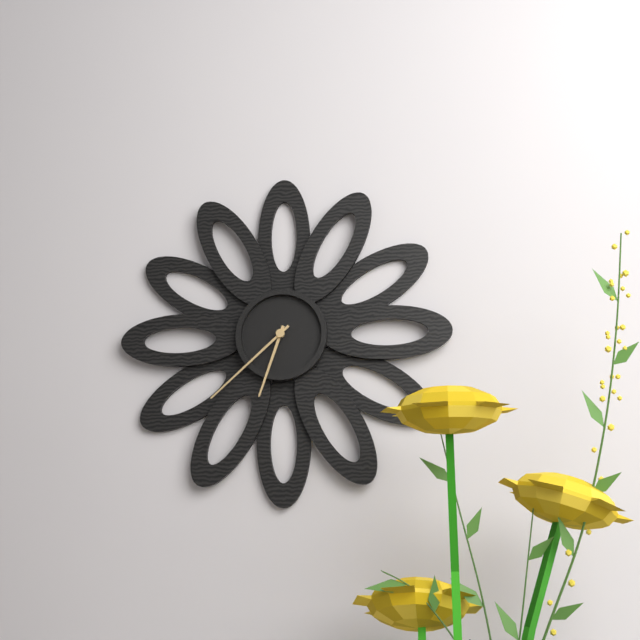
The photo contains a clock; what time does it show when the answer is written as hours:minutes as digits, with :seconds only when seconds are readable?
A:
6:38
